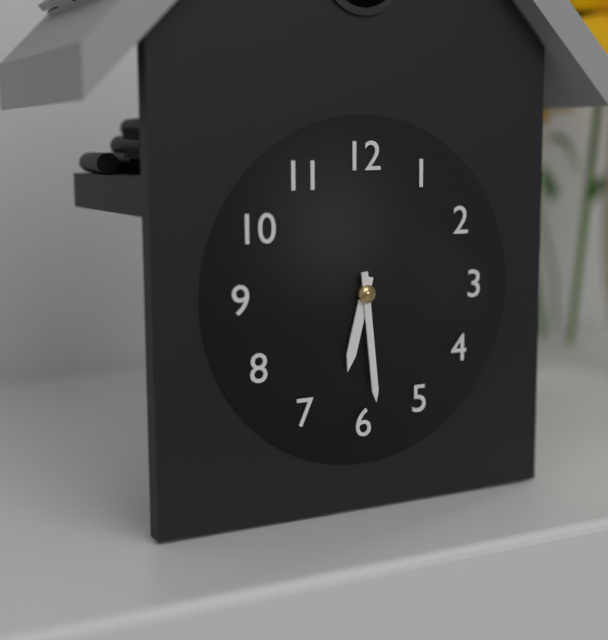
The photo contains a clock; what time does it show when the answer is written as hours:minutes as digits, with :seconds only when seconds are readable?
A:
6:29
